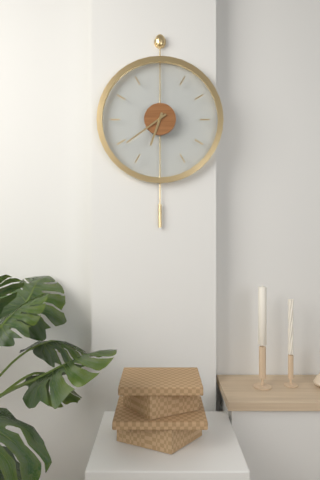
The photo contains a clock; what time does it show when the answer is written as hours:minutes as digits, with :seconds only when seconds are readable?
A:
6:39
